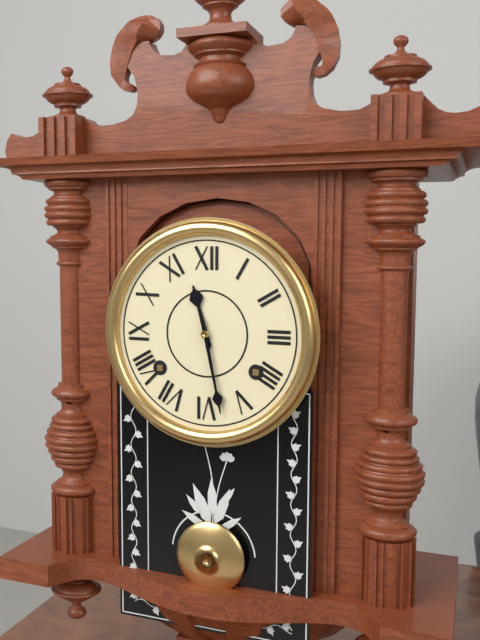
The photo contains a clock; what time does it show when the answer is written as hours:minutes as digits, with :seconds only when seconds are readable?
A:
11:28
